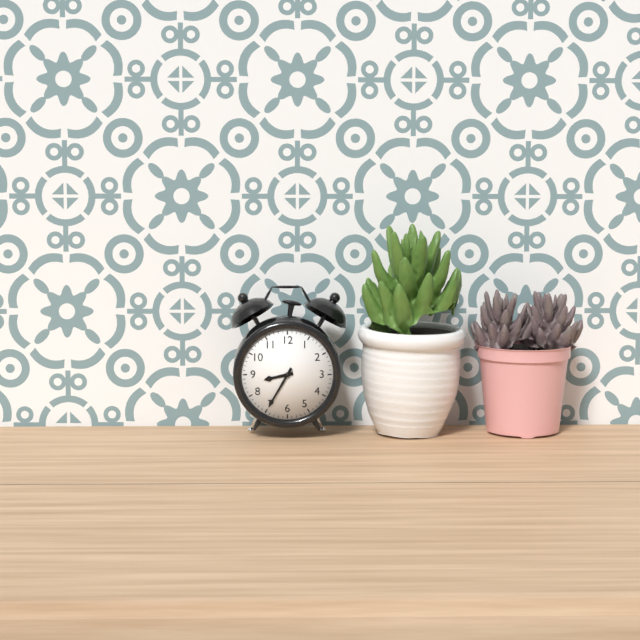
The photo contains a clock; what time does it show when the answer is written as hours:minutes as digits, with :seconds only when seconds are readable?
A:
8:35
